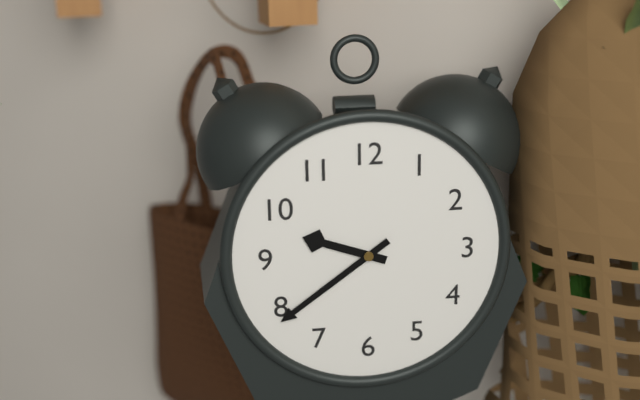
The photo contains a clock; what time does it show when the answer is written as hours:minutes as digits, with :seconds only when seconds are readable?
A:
9:39
